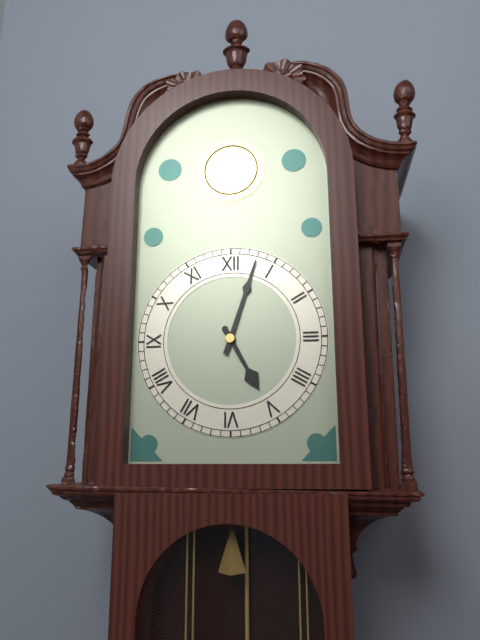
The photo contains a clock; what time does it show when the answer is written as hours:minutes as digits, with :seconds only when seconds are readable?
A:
5:03
